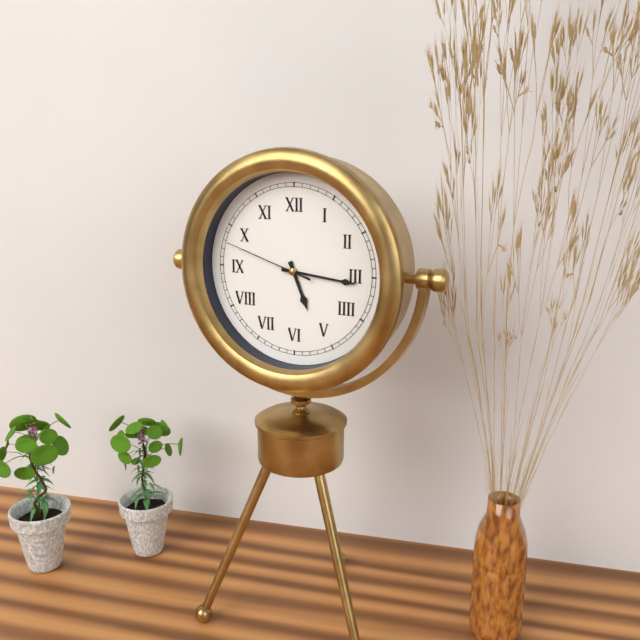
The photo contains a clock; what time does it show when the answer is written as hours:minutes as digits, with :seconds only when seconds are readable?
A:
5:16:48
